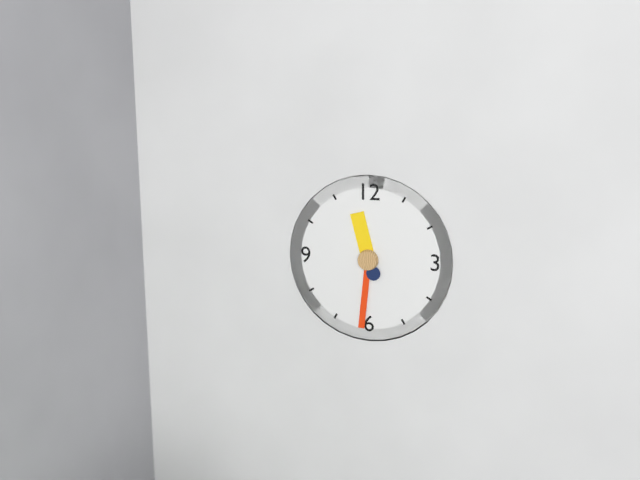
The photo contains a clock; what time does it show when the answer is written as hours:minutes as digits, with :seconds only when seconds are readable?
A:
11:31
